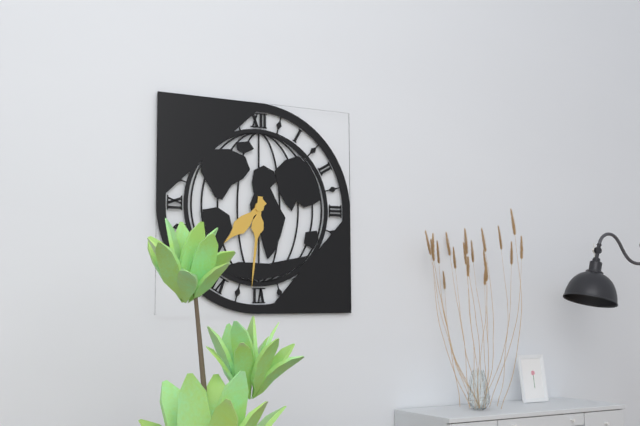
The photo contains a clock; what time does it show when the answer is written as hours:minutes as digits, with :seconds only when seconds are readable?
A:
7:31
